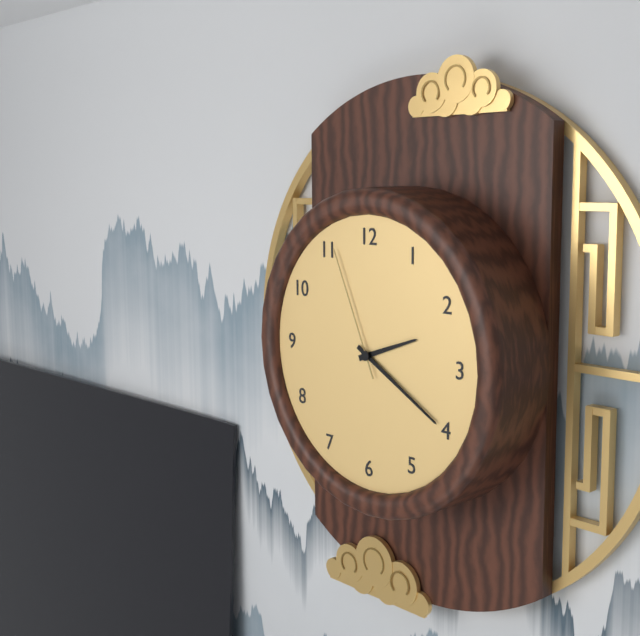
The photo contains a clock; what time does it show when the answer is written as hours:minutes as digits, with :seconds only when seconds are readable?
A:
2:20:56
